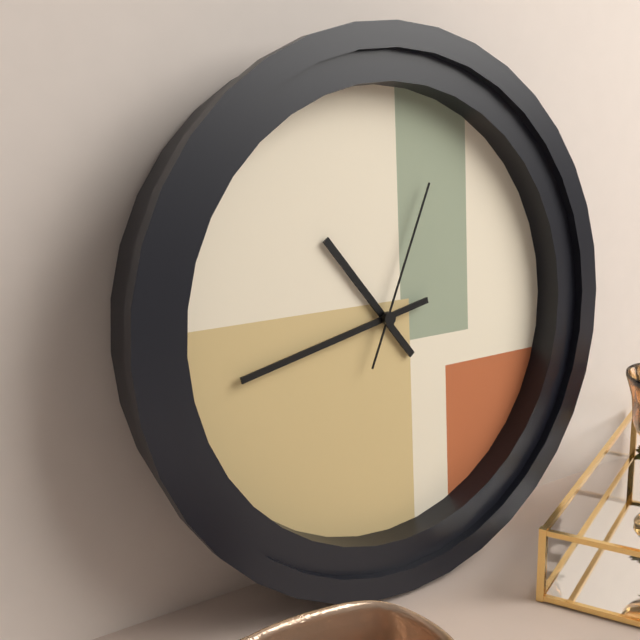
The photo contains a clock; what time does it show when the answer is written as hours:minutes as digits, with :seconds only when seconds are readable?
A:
10:43:04
